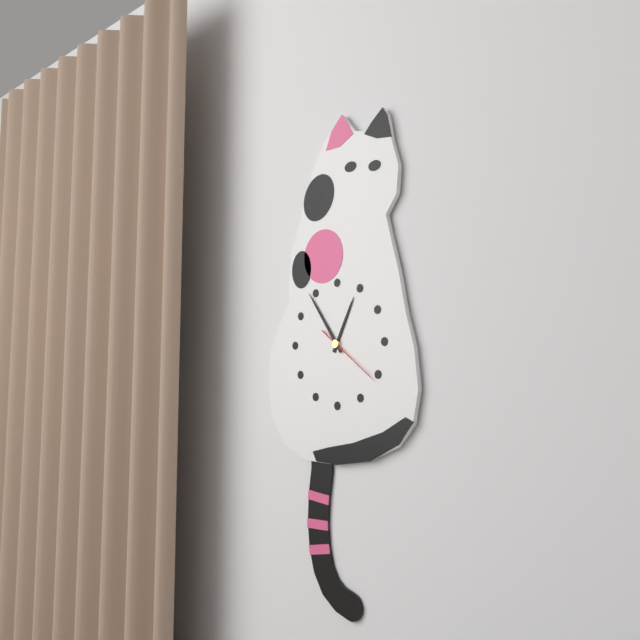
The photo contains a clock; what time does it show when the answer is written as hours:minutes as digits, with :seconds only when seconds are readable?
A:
12:54:21
